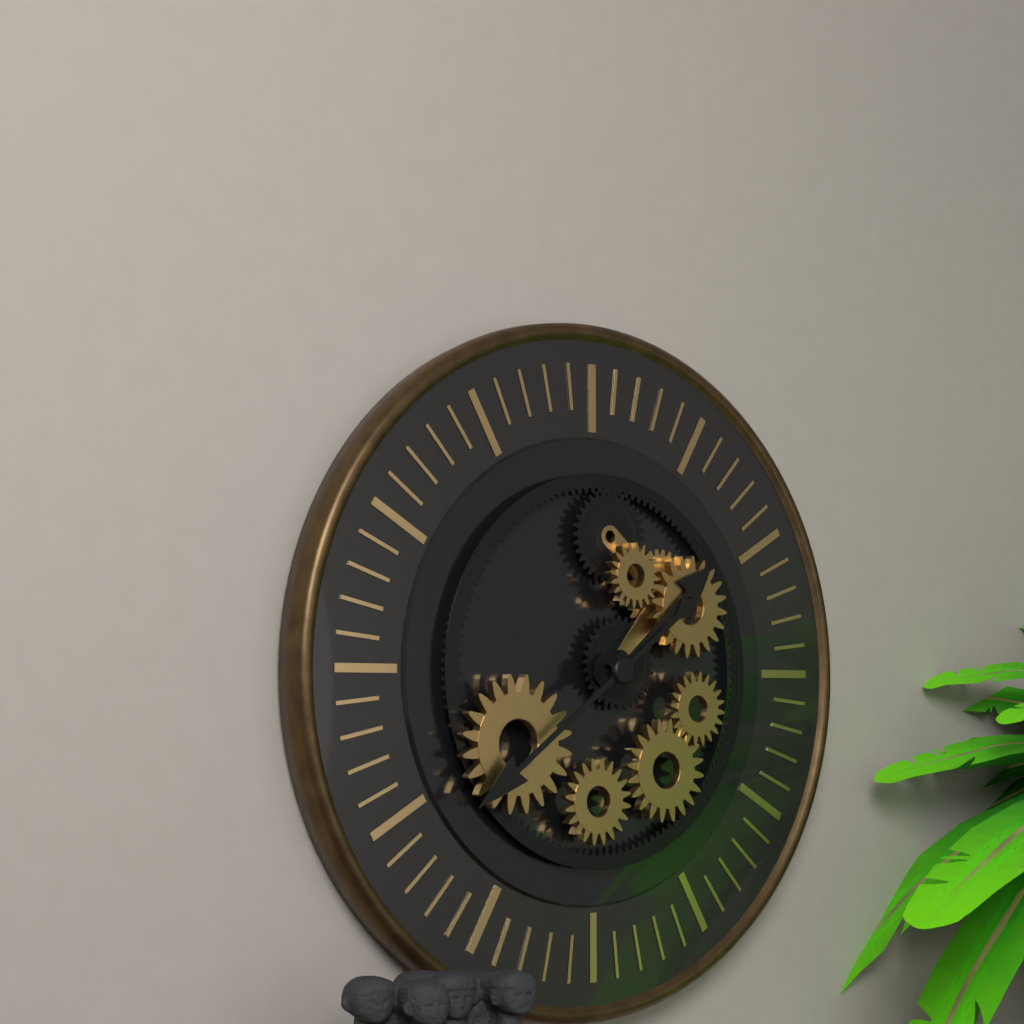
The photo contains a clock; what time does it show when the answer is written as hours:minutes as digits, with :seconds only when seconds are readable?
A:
1:39
